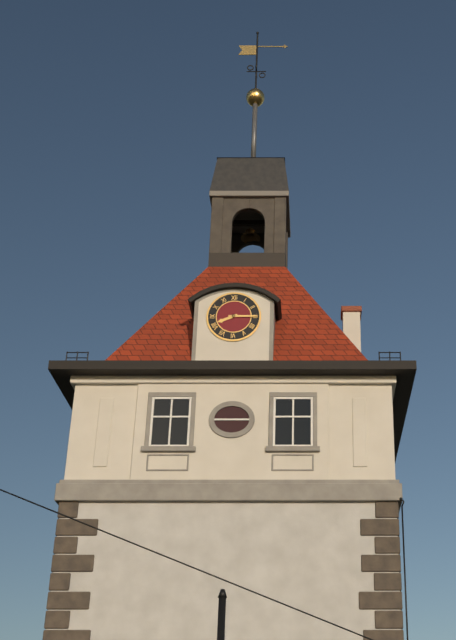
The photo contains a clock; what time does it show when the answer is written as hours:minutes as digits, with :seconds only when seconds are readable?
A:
8:15
